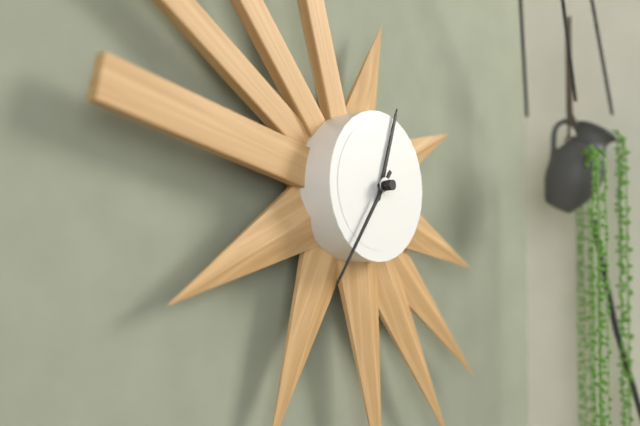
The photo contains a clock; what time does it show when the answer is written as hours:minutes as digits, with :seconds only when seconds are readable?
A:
12:36
